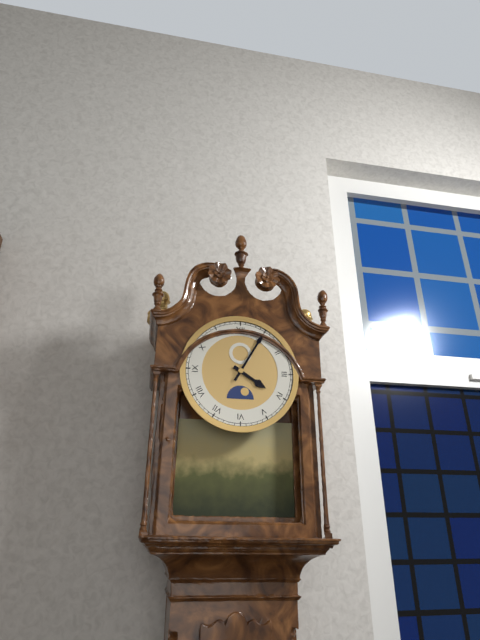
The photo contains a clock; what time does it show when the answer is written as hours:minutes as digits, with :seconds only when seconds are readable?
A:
4:05
